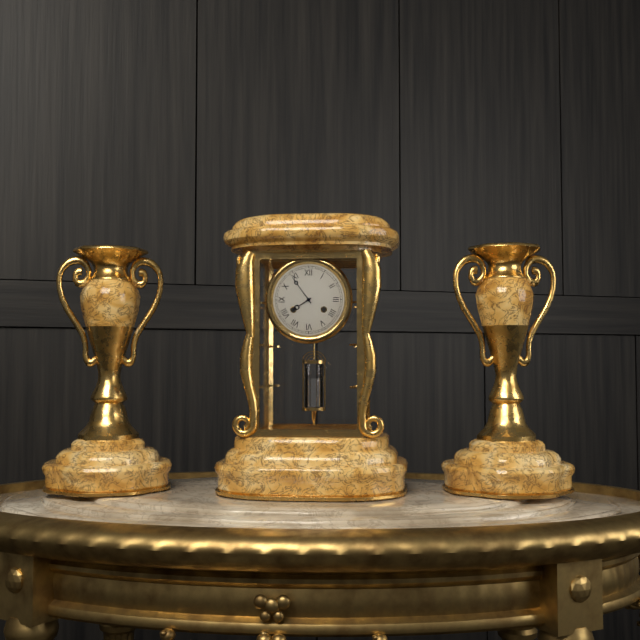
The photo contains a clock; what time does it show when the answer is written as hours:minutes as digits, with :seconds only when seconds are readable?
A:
7:54
